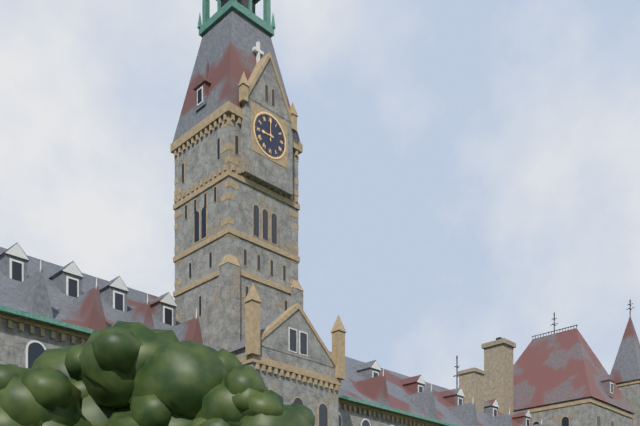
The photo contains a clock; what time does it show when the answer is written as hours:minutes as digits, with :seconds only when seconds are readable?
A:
9:00
